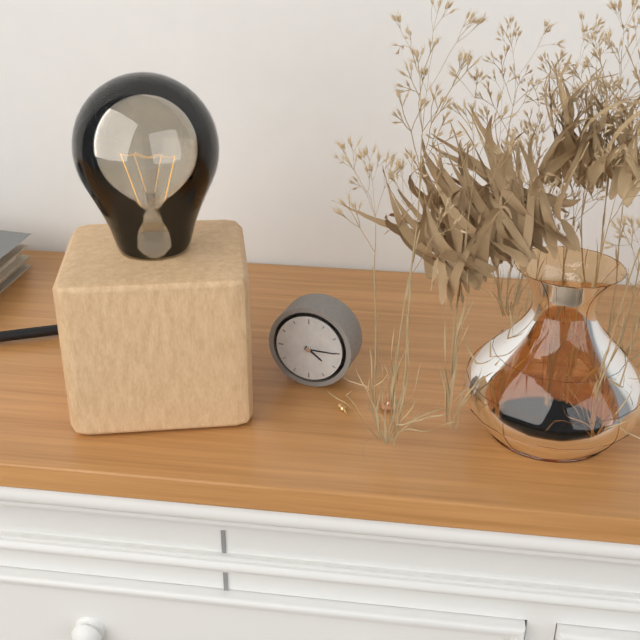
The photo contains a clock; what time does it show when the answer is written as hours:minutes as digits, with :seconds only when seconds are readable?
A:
4:15
